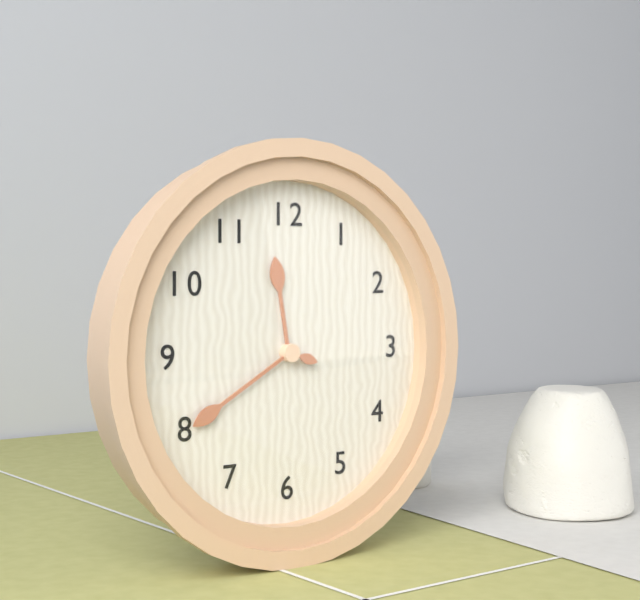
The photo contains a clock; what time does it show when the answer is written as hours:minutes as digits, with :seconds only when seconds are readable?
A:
11:40
